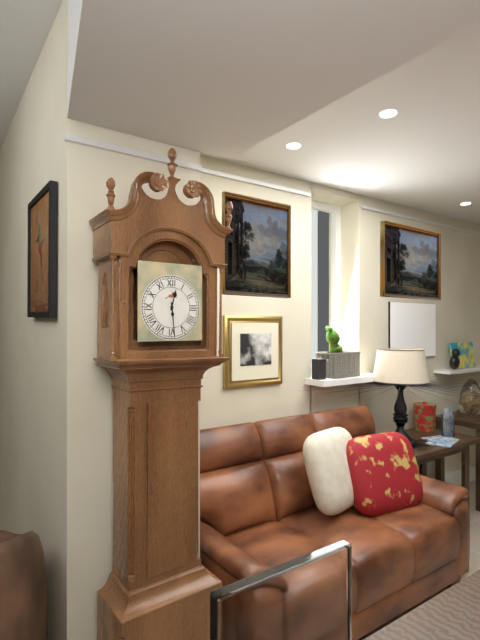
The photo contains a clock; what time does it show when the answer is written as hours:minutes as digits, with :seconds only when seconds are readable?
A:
12:29
